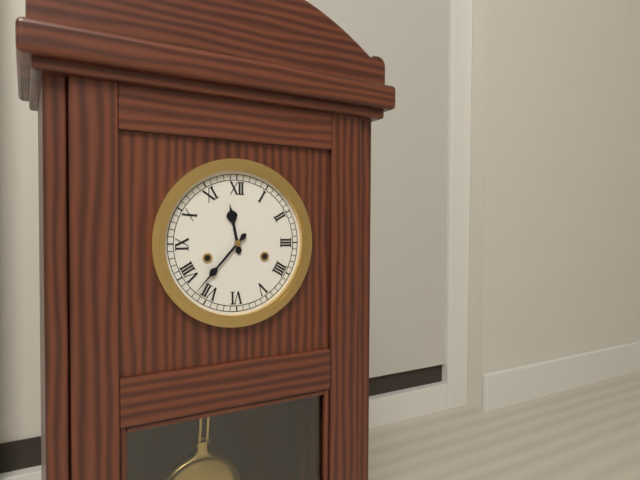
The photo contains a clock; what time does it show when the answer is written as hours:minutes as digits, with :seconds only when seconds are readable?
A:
11:37
